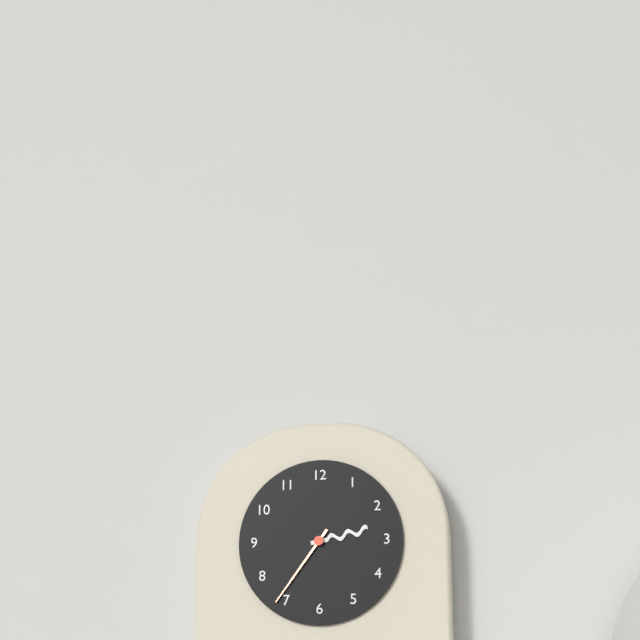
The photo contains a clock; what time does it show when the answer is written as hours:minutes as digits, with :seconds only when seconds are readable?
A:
2:36
